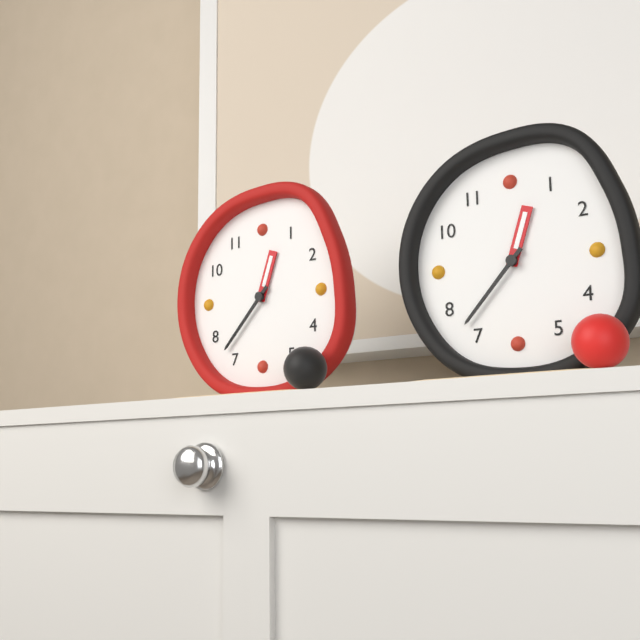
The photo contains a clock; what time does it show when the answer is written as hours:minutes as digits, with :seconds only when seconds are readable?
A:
12:37
